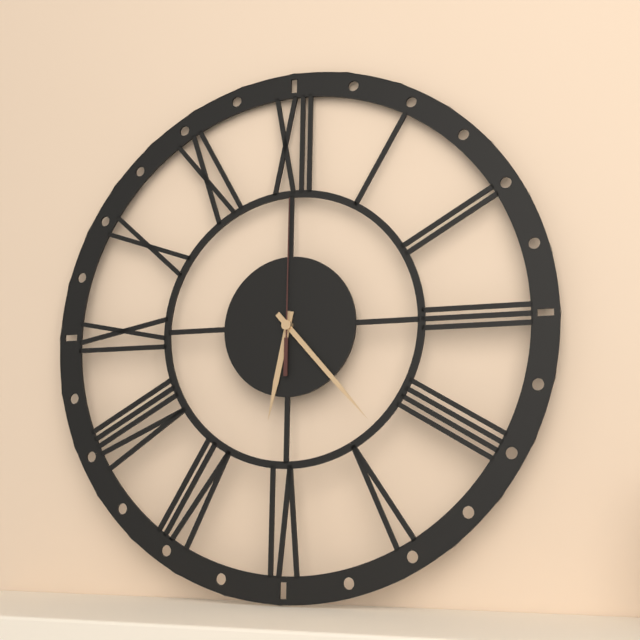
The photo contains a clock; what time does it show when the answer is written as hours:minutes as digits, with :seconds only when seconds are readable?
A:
6:23:00
